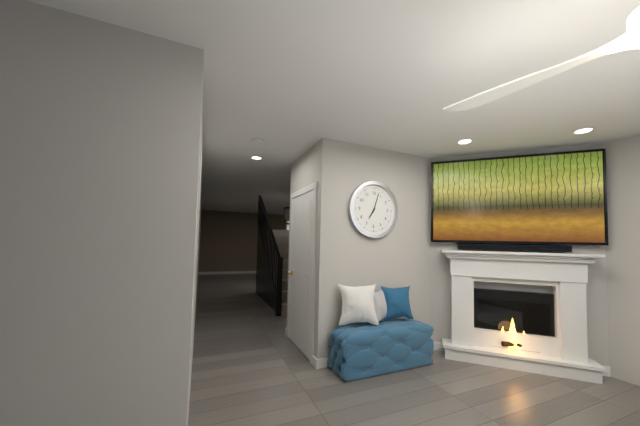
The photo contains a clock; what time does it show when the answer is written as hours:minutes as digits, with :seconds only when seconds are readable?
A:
7:03
